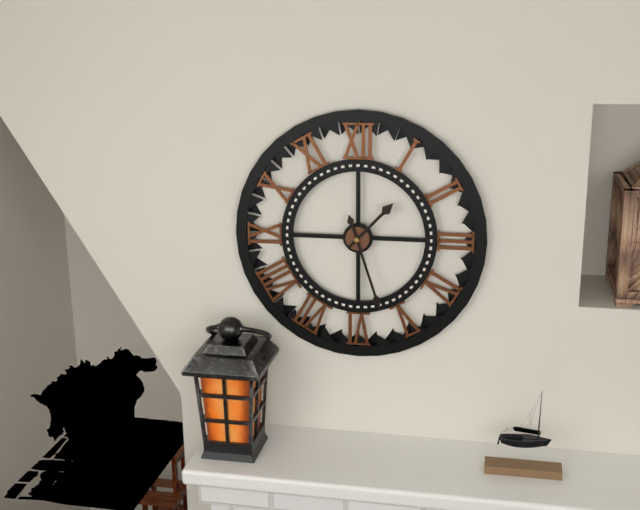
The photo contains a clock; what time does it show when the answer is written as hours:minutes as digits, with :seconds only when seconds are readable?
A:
1:27
